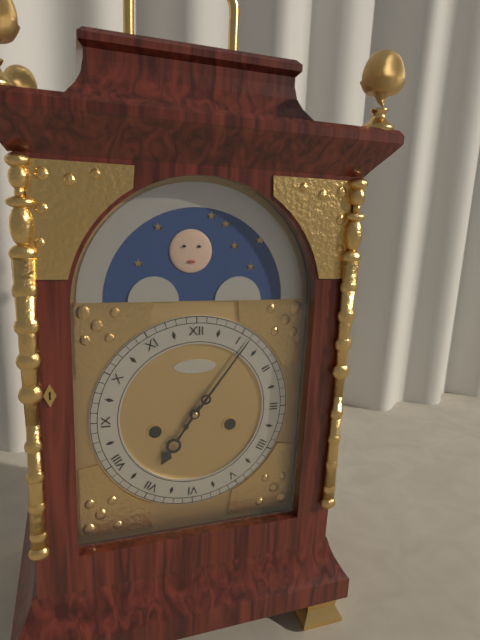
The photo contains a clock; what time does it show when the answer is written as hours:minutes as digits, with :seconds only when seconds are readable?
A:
7:06
